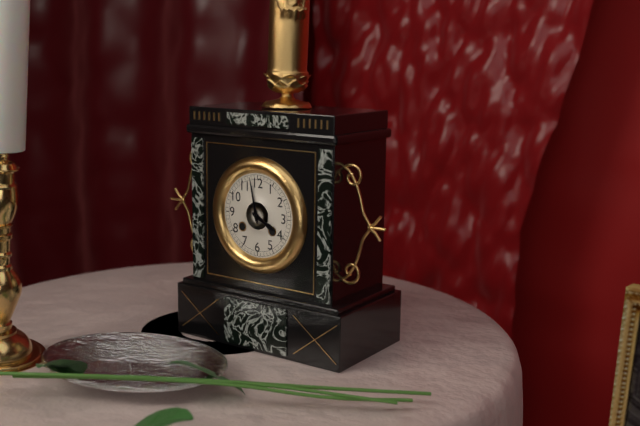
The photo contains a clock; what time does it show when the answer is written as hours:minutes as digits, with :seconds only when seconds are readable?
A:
3:58
